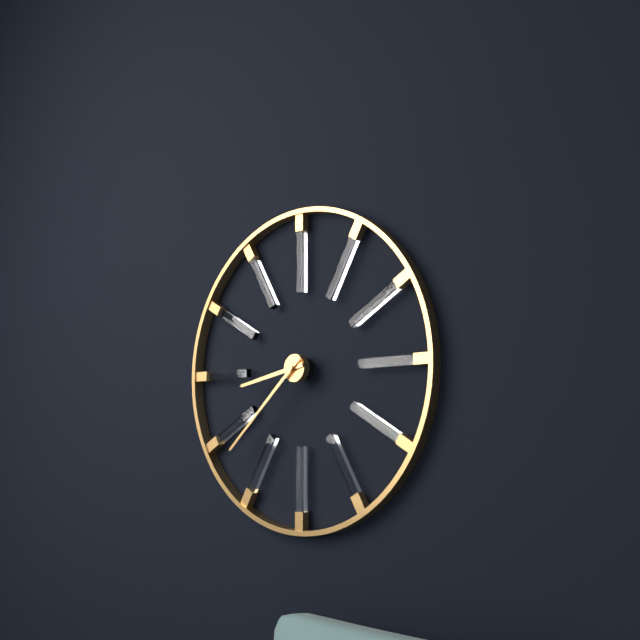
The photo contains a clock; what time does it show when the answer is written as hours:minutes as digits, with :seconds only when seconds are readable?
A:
8:38
